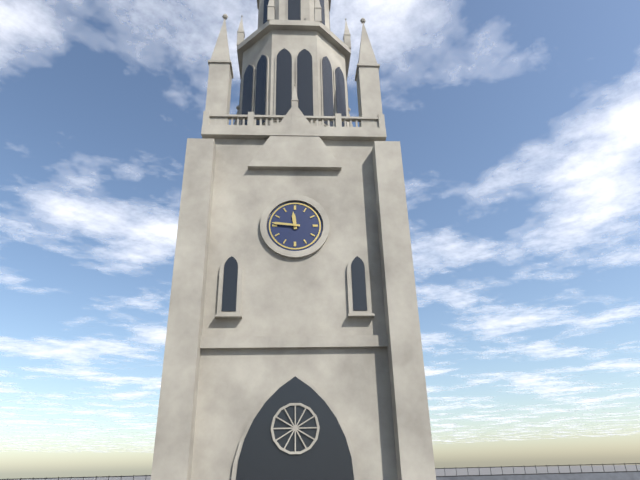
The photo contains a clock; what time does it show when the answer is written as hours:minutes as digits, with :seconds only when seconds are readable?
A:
11:46
